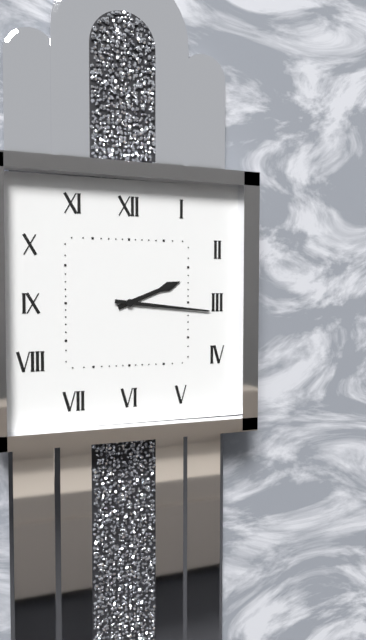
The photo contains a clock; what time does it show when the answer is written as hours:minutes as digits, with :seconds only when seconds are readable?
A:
2:16
